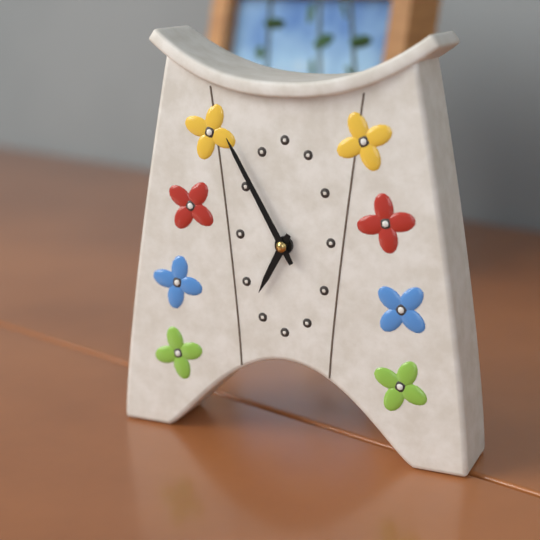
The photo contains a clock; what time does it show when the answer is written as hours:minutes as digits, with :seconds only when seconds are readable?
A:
6:55
